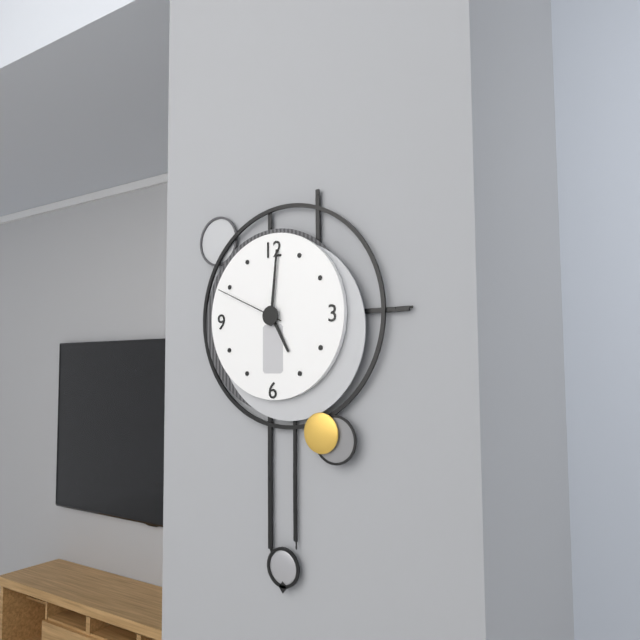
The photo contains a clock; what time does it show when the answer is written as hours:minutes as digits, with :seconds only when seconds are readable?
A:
5:01:49
